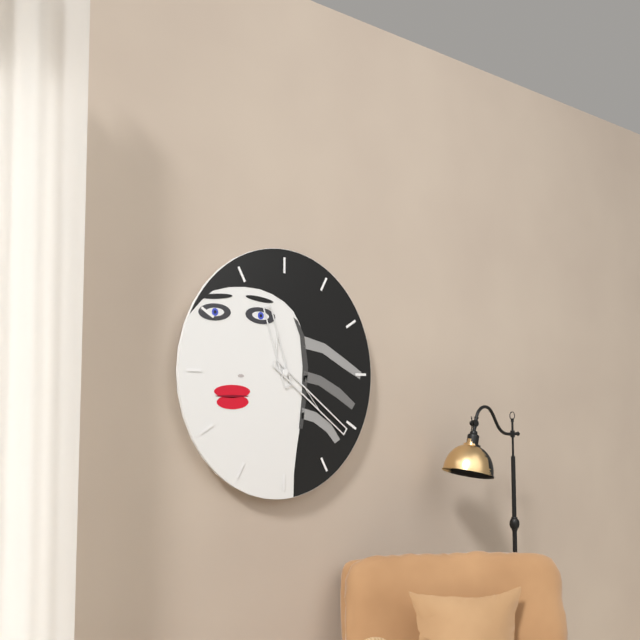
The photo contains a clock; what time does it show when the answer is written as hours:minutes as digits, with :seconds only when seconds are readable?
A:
11:21
